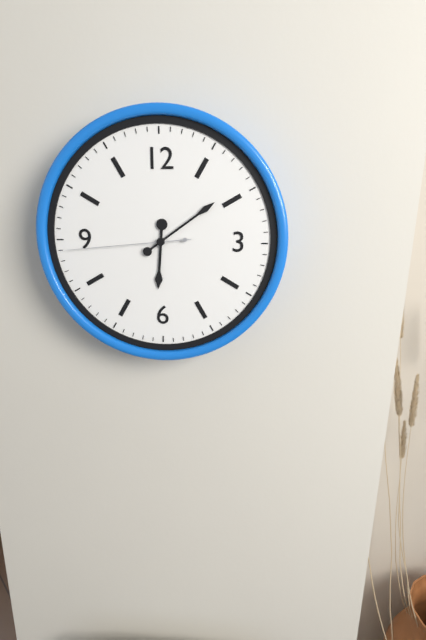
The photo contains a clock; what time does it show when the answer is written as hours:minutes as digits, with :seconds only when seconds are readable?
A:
6:09:44
